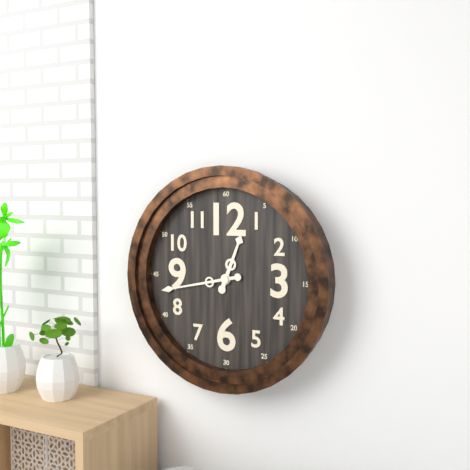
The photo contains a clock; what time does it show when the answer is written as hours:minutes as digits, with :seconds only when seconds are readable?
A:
12:43
